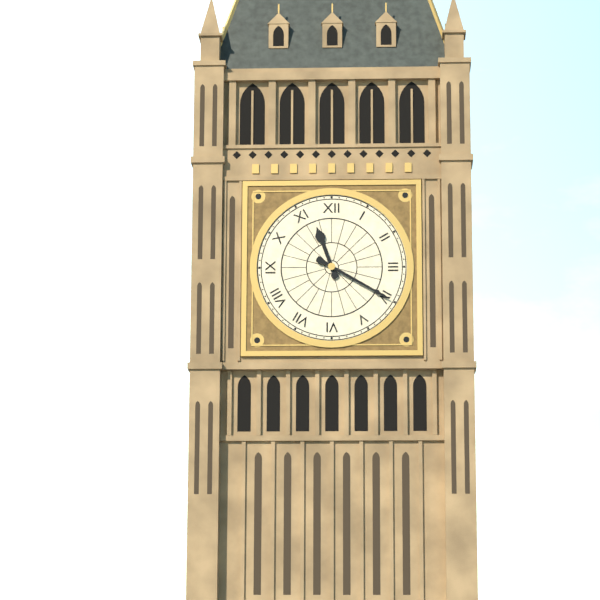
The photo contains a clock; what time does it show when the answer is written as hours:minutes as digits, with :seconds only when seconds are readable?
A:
11:20
